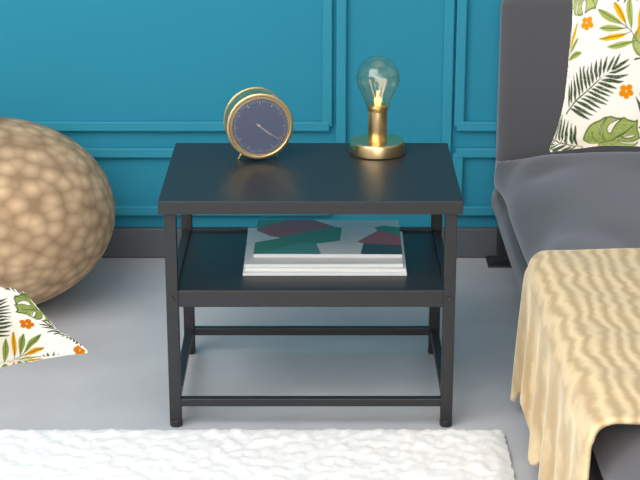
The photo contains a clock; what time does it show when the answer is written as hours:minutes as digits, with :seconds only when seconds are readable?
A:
4:21
